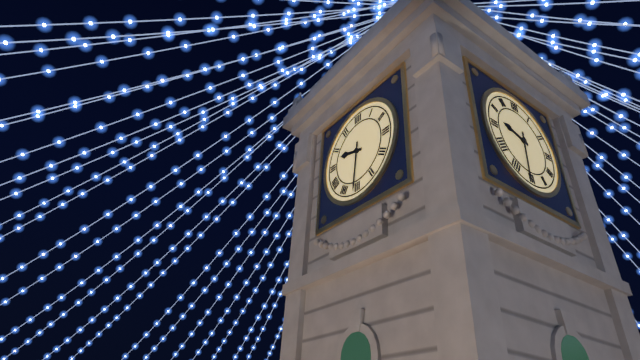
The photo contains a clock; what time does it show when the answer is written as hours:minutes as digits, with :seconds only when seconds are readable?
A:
9:31
